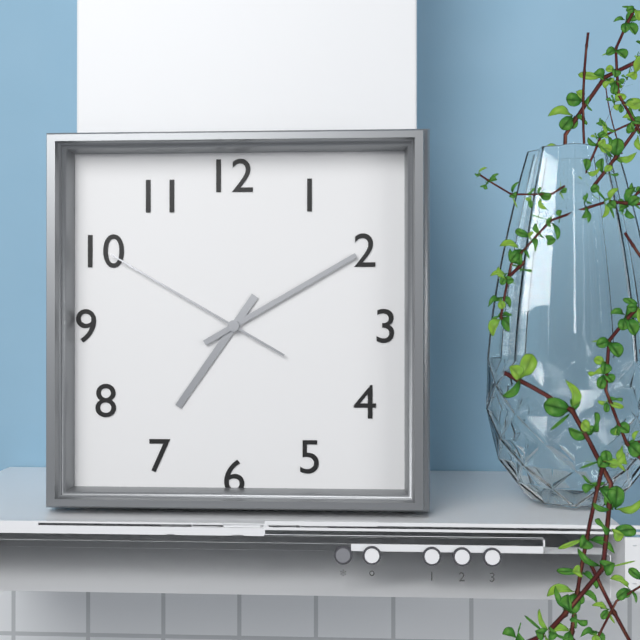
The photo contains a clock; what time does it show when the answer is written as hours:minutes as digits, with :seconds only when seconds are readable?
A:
7:10:50
